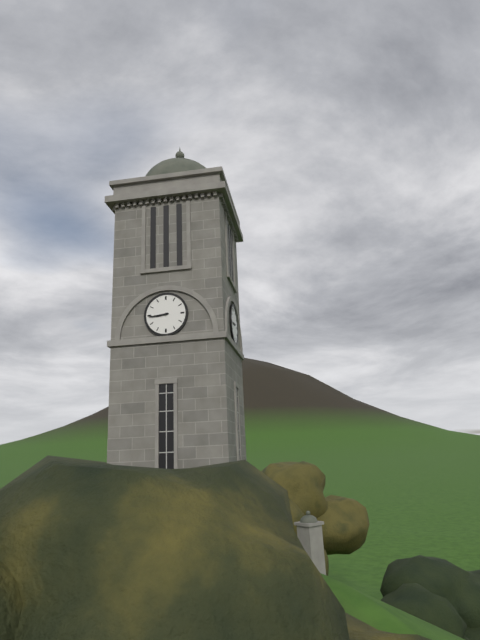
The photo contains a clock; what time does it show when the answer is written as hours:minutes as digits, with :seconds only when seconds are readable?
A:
8:44
